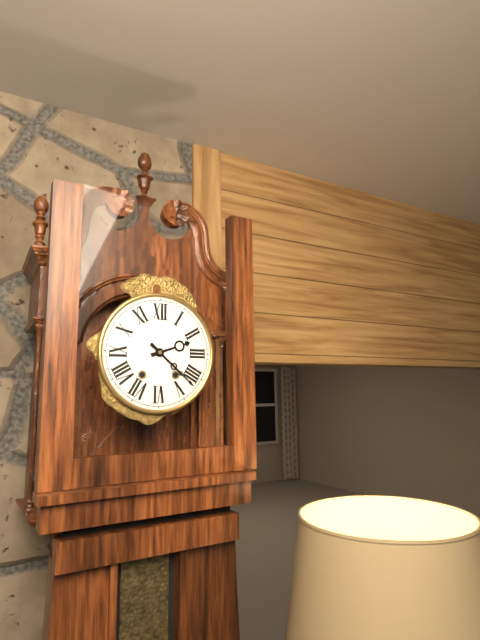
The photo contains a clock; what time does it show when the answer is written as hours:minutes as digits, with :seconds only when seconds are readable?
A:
2:22
